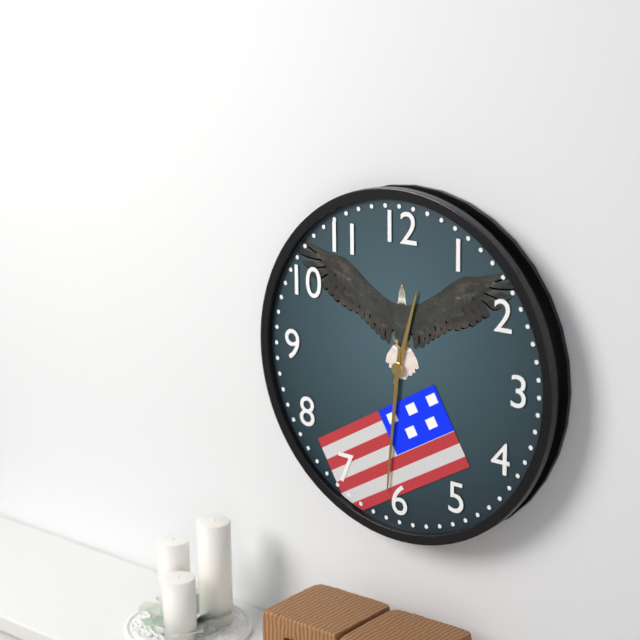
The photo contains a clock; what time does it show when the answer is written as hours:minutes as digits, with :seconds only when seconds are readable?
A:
12:31
